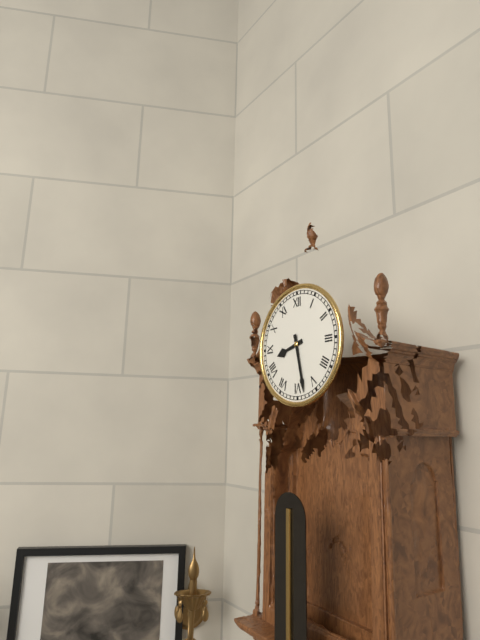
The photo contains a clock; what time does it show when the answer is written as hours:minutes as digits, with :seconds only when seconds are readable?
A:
8:28
